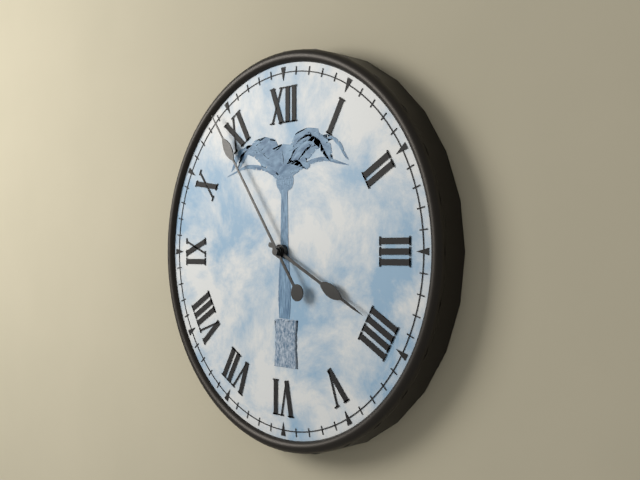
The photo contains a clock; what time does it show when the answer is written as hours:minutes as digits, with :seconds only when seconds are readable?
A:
3:54
